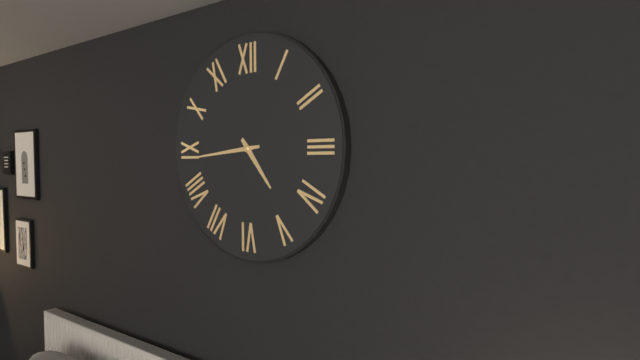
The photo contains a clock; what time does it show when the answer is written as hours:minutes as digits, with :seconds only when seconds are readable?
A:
4:44
